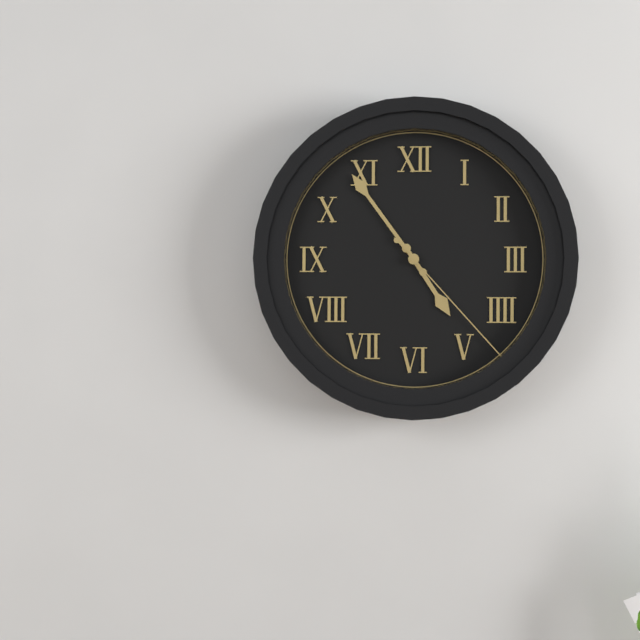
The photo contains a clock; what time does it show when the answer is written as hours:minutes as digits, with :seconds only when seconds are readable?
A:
4:54:23
